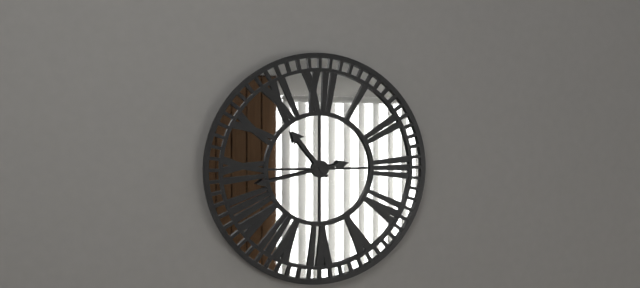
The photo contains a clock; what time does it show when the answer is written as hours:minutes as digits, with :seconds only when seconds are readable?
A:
10:43
